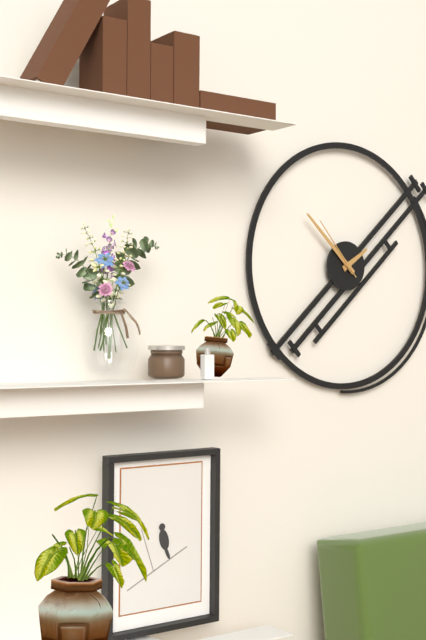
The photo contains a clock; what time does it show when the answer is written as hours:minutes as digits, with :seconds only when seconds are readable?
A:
1:52:53
